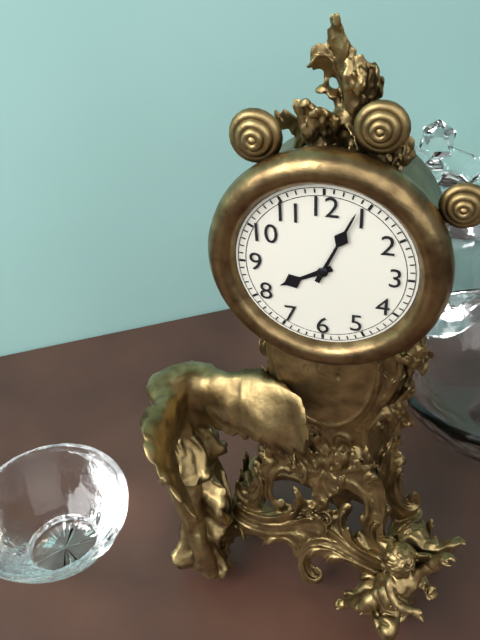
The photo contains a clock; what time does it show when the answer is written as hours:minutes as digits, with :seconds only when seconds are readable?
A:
8:04
